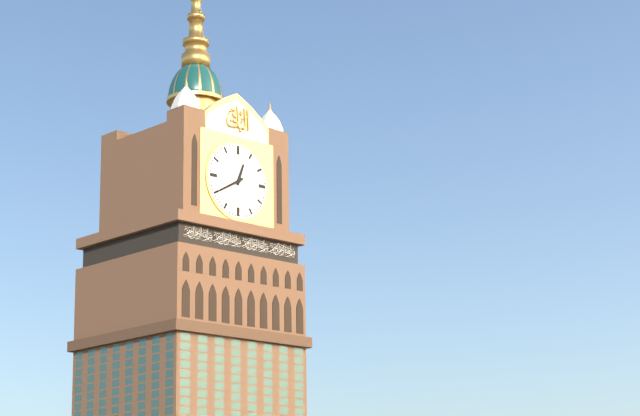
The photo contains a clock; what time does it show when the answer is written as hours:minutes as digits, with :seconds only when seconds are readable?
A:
12:40
